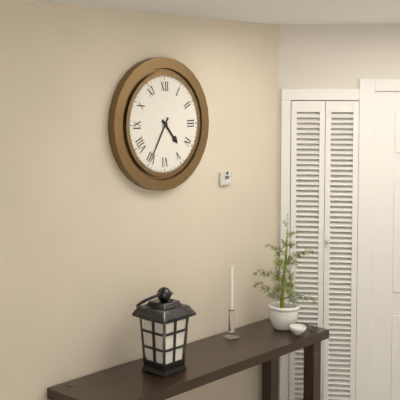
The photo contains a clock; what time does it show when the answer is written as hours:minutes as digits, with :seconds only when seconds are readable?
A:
4:35
